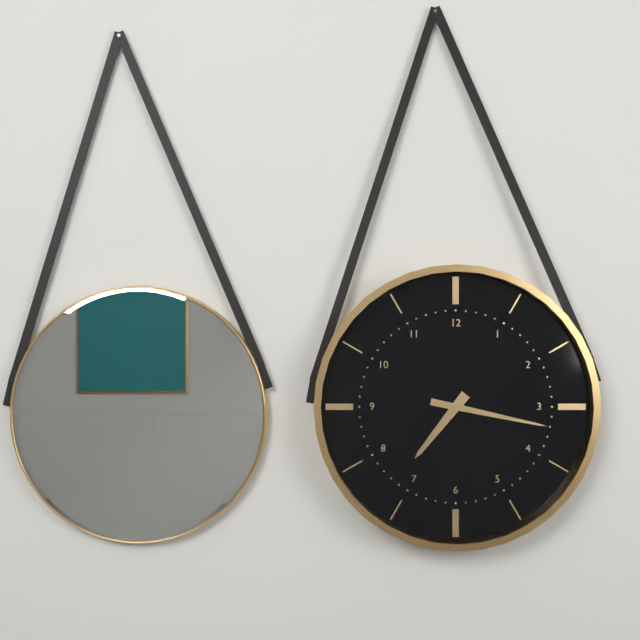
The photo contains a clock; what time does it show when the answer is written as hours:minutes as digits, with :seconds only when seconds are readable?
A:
7:17
